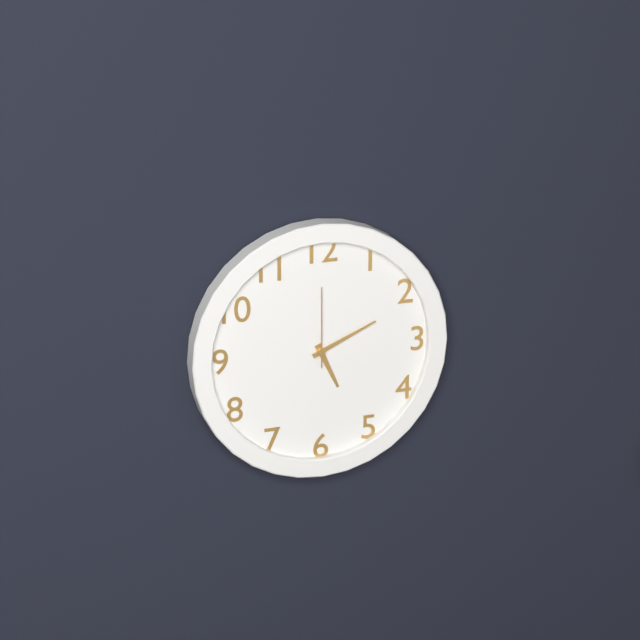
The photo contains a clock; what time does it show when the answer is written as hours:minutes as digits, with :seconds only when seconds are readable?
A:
5:11:00
